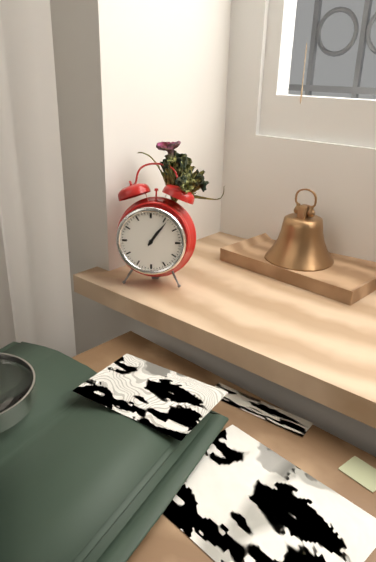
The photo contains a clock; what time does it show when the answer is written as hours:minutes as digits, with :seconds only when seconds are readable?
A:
1:06
